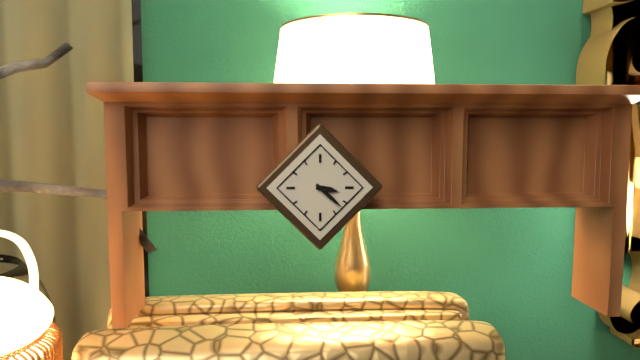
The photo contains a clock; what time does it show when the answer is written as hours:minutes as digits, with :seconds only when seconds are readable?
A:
3:22
